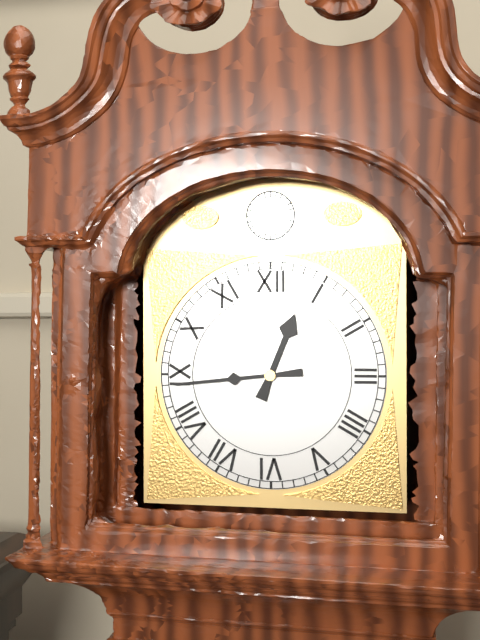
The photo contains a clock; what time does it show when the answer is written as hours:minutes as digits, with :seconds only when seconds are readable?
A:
12:44
